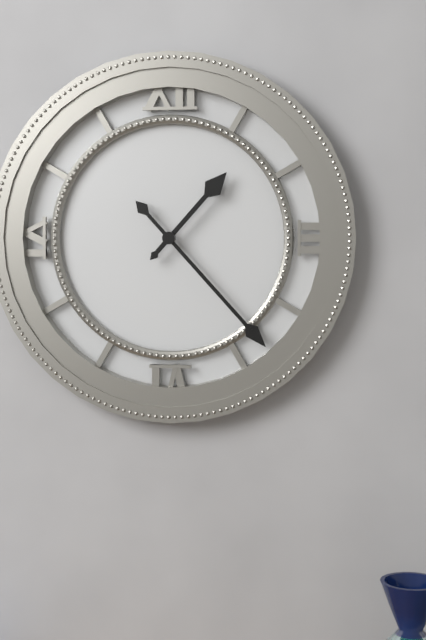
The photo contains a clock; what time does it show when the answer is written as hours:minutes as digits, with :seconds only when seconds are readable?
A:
1:23
